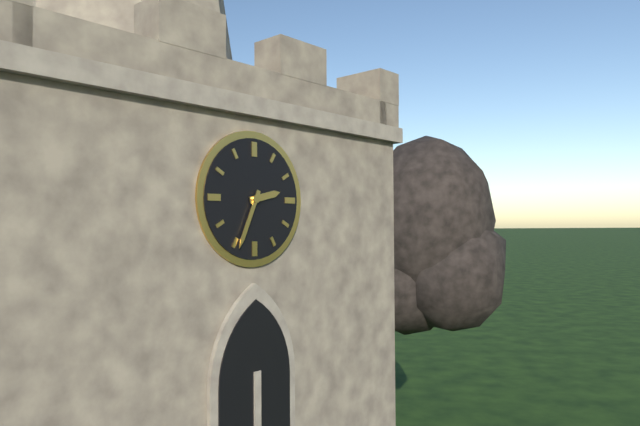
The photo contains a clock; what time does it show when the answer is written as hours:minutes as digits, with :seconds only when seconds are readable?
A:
2:34
